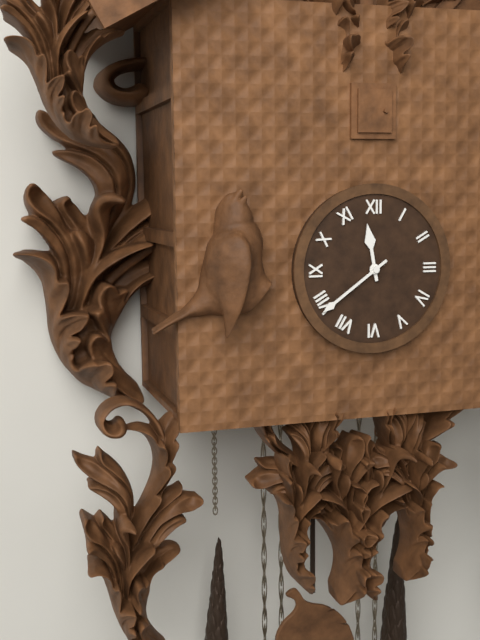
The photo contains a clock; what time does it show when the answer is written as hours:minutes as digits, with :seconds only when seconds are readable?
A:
11:39
